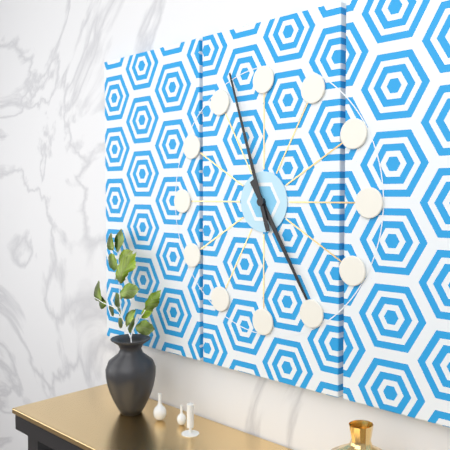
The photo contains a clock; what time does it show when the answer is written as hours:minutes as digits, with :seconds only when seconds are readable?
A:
4:57
